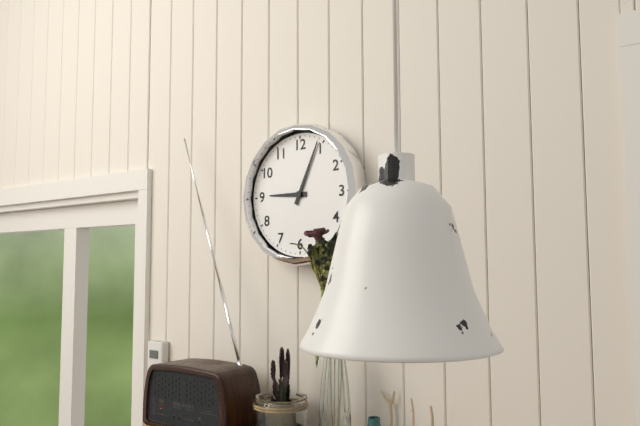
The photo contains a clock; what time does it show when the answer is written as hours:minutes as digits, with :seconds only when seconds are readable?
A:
9:04
